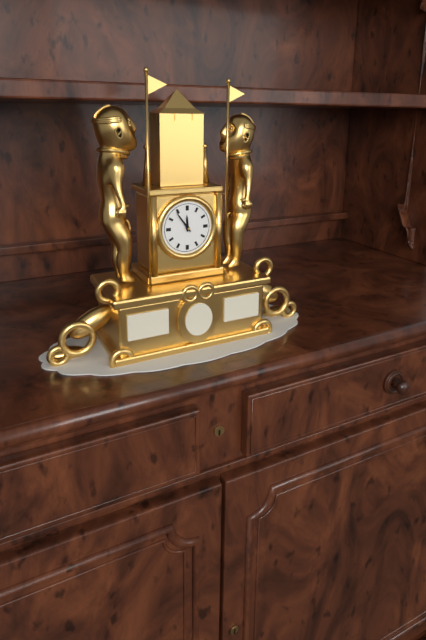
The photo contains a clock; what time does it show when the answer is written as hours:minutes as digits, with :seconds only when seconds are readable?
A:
11:54
